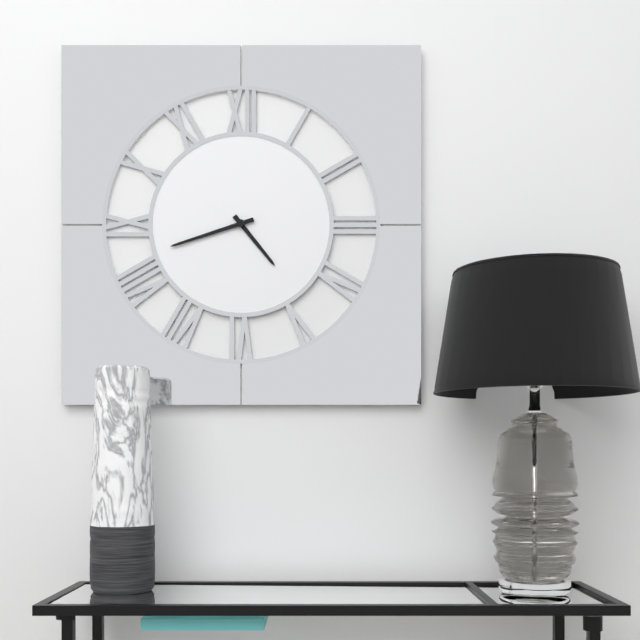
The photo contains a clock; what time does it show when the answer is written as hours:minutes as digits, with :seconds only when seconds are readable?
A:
4:42
